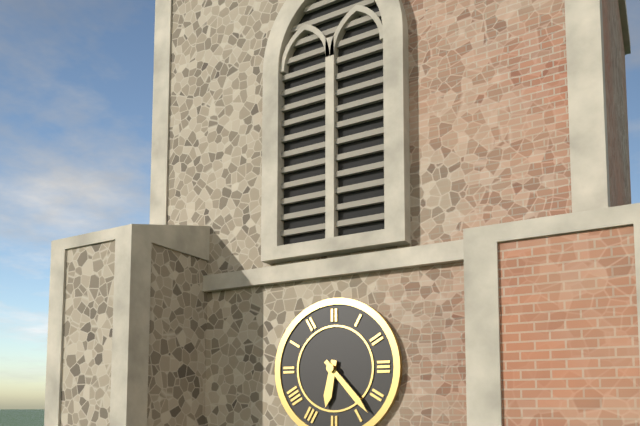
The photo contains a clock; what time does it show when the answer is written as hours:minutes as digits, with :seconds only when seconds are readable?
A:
6:23
